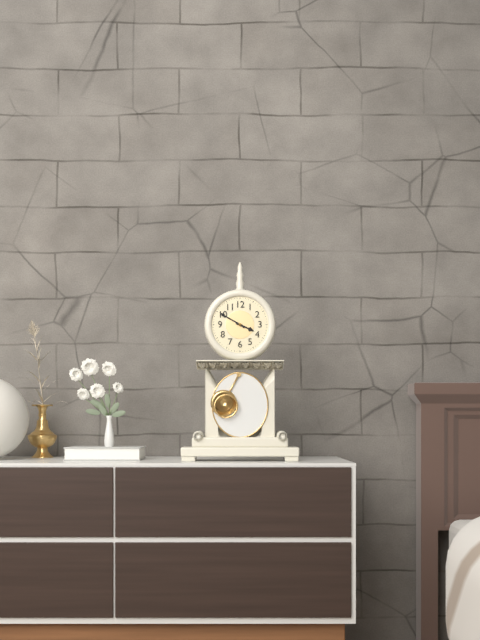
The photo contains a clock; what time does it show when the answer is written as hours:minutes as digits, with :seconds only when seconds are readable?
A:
3:50
